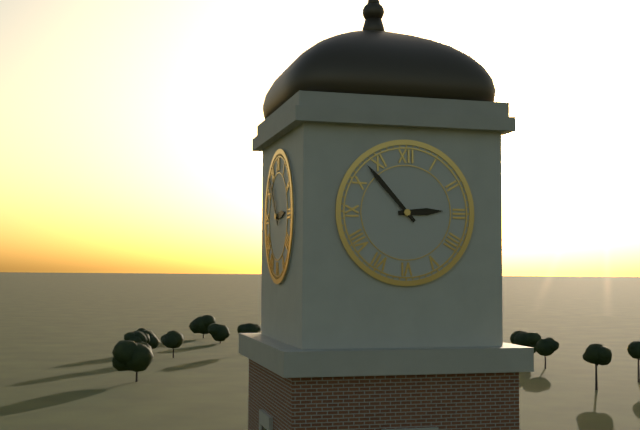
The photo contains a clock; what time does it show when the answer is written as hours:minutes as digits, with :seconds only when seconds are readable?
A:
2:53
